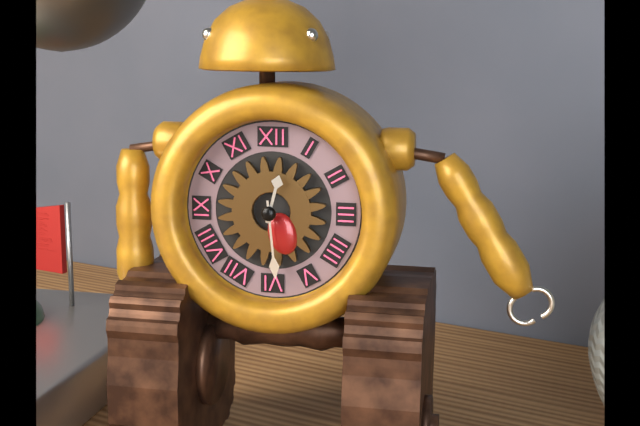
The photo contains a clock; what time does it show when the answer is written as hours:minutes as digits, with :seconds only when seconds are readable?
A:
12:29
